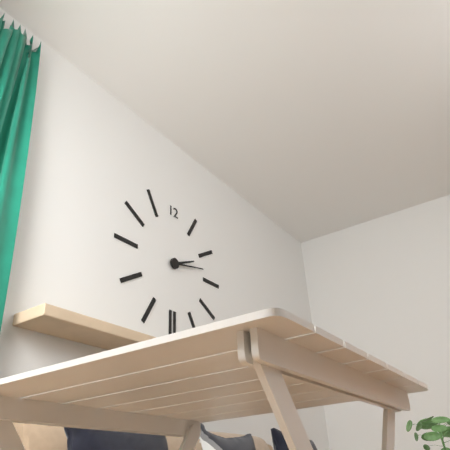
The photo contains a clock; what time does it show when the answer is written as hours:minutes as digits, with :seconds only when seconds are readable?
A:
2:13
